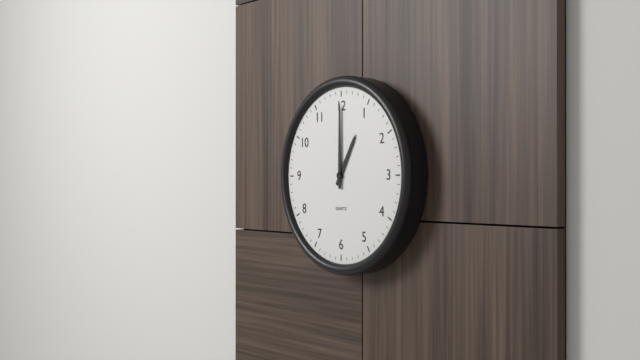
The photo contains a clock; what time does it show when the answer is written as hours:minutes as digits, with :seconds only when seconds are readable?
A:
1:00
